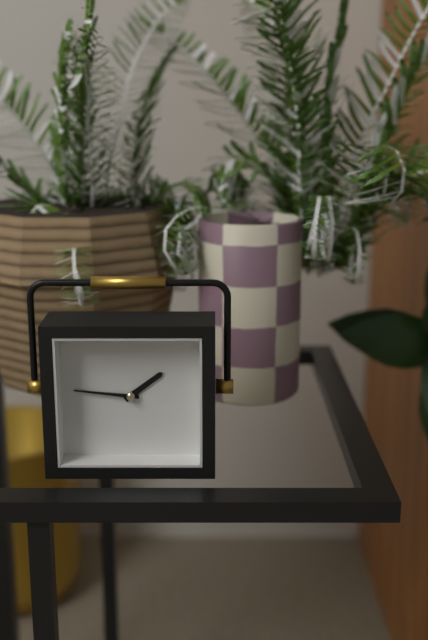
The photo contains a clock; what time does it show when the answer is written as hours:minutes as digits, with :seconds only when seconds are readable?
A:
1:46
